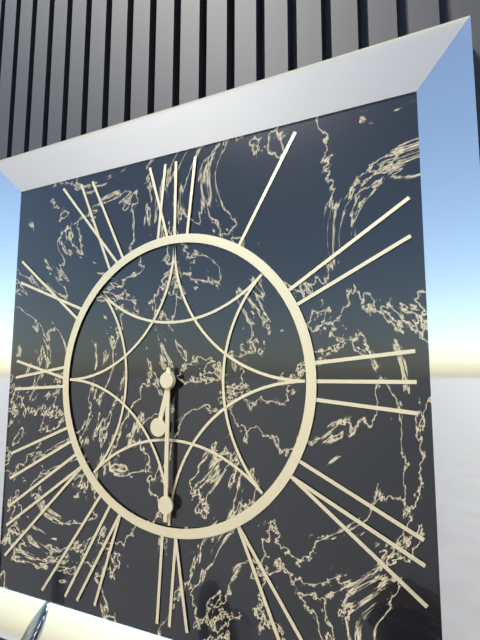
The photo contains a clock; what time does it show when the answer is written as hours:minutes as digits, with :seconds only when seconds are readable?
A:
6:30
